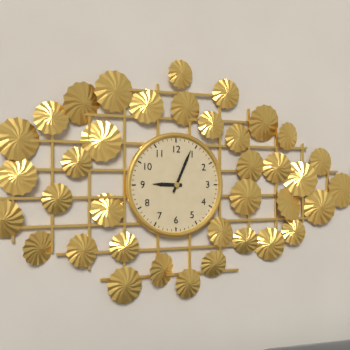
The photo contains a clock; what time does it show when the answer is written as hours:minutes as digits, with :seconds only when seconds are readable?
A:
9:04
